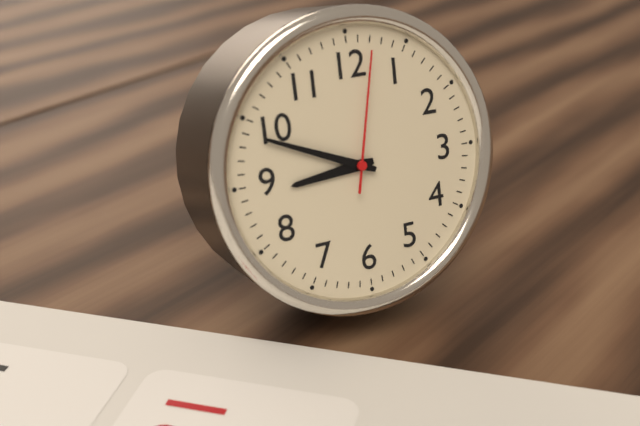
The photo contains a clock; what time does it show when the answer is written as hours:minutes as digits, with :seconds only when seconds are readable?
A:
8:49:02
